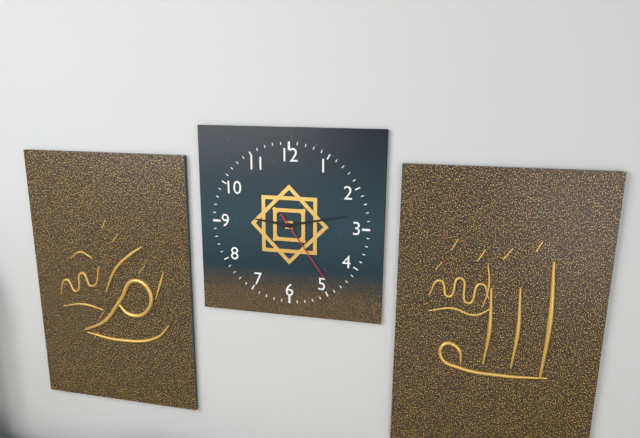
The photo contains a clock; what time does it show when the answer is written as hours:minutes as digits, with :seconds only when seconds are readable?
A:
9:13:24
